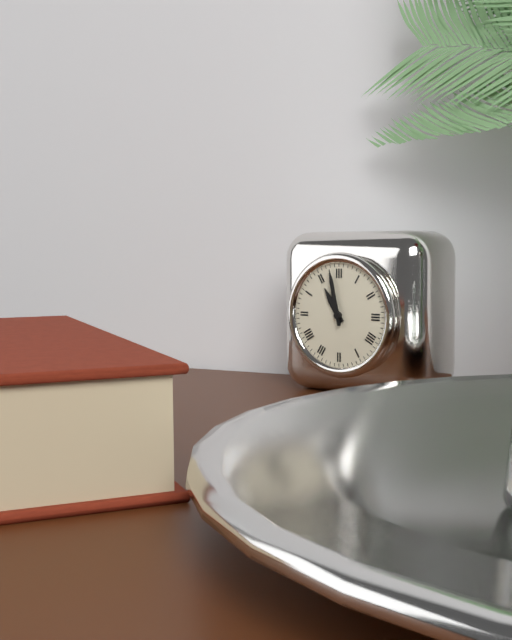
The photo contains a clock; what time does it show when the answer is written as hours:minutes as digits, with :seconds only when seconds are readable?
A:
10:58
